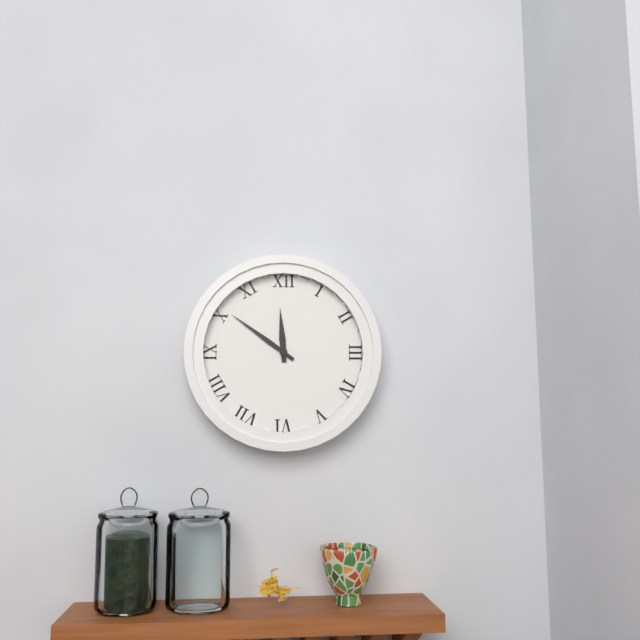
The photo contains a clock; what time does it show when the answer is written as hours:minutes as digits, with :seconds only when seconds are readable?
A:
11:51
